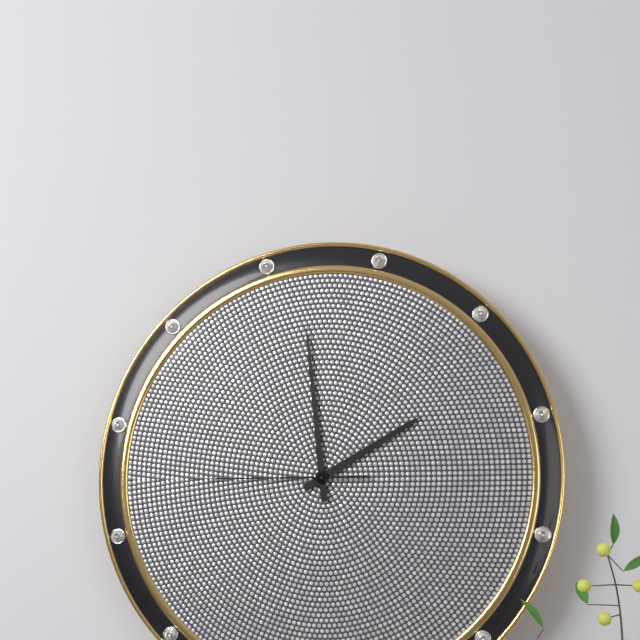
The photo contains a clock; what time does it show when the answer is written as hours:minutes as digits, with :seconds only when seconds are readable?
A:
1:59:45
